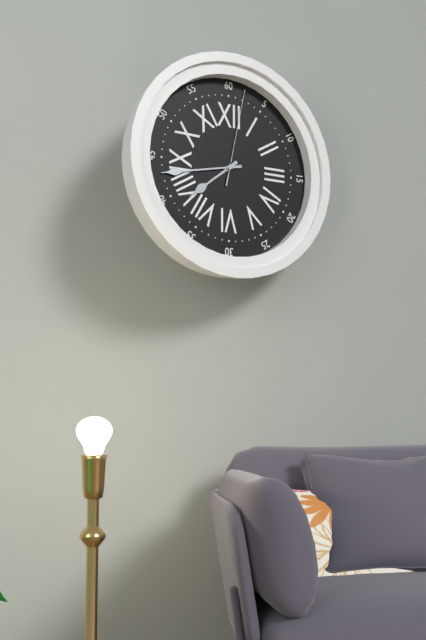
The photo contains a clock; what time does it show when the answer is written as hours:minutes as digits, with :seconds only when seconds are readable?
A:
7:43:02
